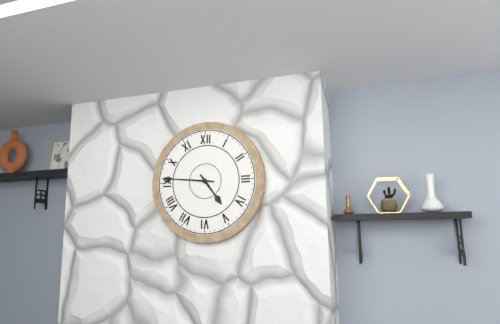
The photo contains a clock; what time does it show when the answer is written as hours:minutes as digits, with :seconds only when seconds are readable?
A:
4:46
